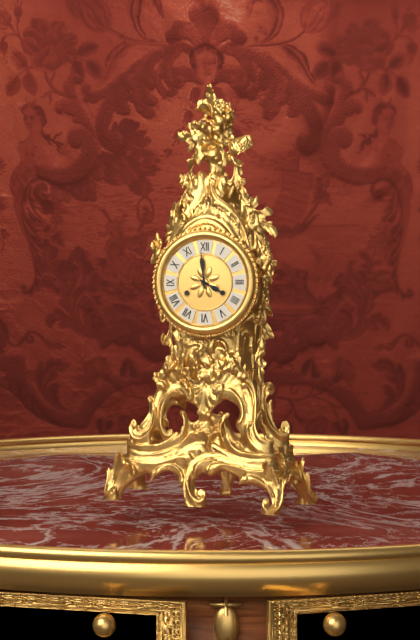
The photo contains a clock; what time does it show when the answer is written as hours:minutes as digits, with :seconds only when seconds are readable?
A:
3:59
